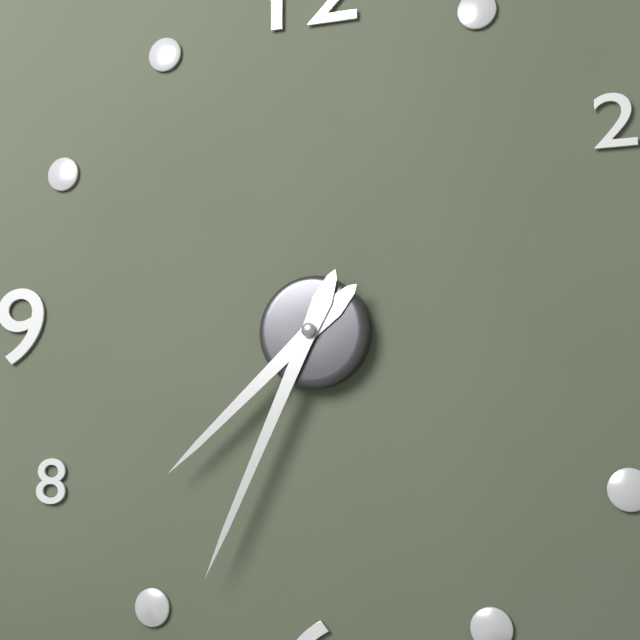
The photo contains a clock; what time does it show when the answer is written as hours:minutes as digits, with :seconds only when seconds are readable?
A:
7:34
